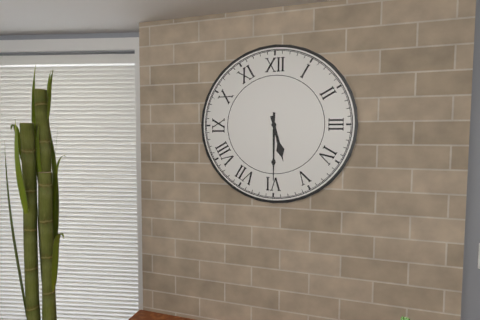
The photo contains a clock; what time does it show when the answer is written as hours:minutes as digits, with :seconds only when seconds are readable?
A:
5:30
